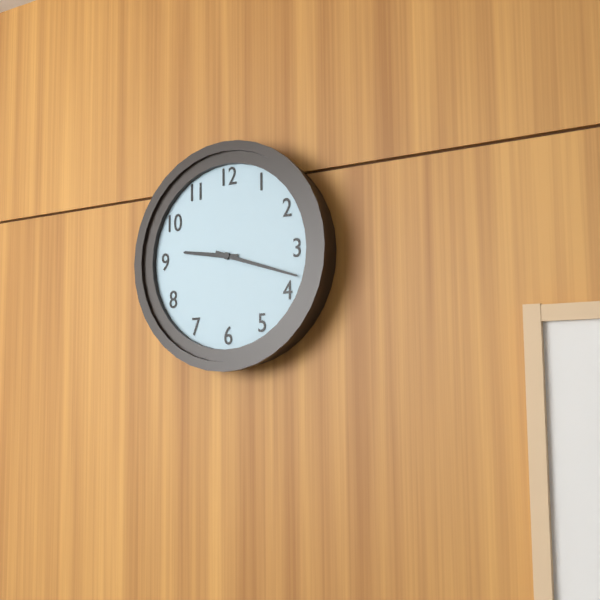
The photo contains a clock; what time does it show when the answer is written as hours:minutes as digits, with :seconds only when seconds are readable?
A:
9:18
